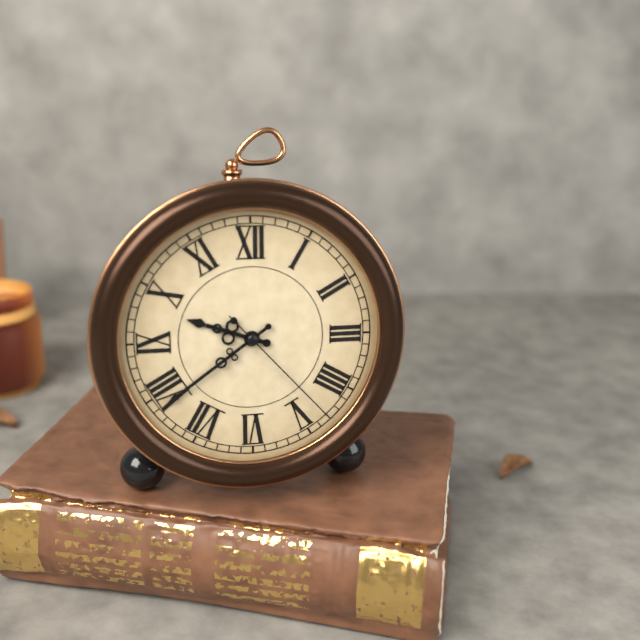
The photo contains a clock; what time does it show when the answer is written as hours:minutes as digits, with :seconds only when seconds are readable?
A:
9:39:23
